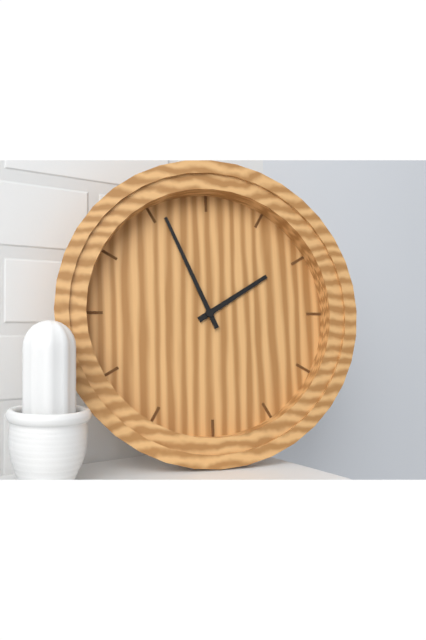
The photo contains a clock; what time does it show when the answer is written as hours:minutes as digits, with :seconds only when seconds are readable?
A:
1:56
